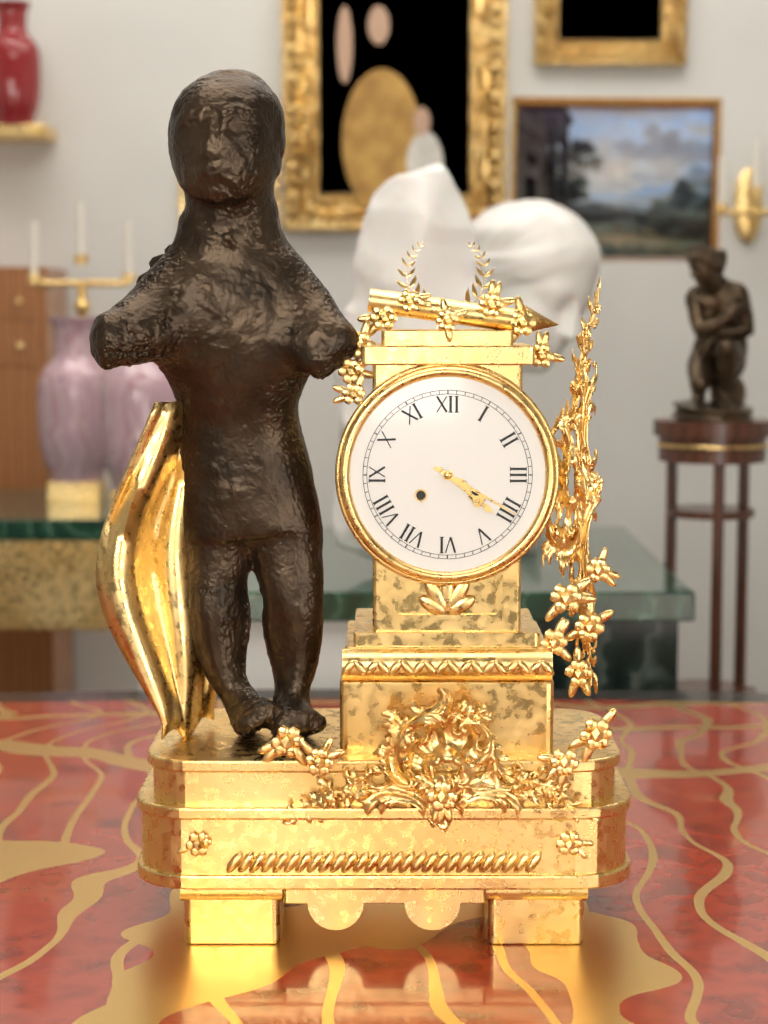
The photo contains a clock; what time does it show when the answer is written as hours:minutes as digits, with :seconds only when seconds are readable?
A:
4:20
